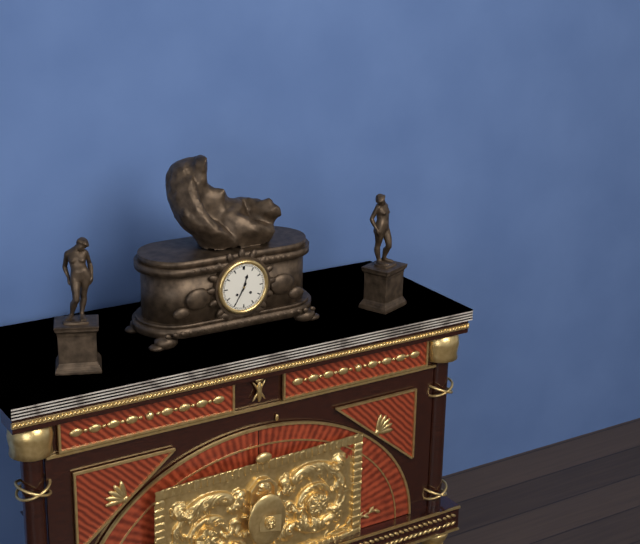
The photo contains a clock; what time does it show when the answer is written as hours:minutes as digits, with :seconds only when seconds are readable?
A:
12:35
